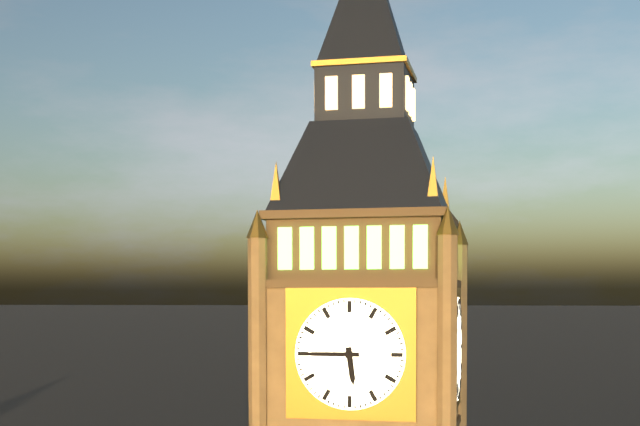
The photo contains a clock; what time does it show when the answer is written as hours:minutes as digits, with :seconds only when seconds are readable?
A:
5:45
